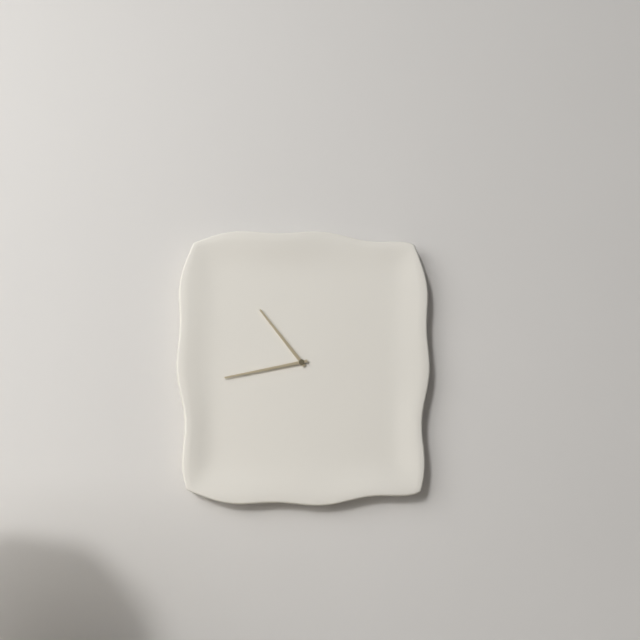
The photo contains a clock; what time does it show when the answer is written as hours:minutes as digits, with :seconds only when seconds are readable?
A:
10:43
